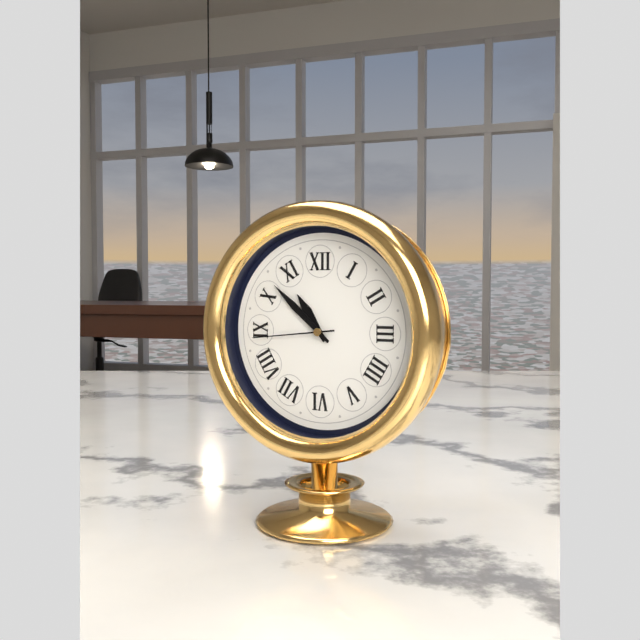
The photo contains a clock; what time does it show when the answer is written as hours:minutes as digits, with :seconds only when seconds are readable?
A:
10:52:44
